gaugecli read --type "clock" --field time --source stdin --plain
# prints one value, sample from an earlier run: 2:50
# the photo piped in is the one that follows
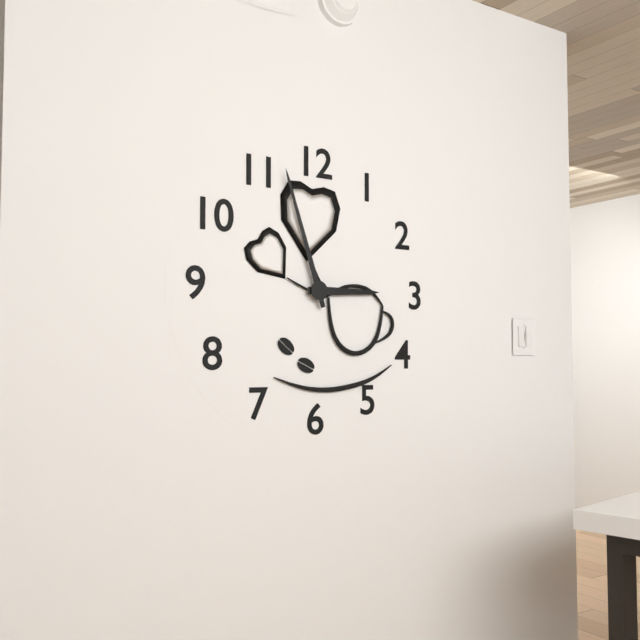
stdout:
2:57
